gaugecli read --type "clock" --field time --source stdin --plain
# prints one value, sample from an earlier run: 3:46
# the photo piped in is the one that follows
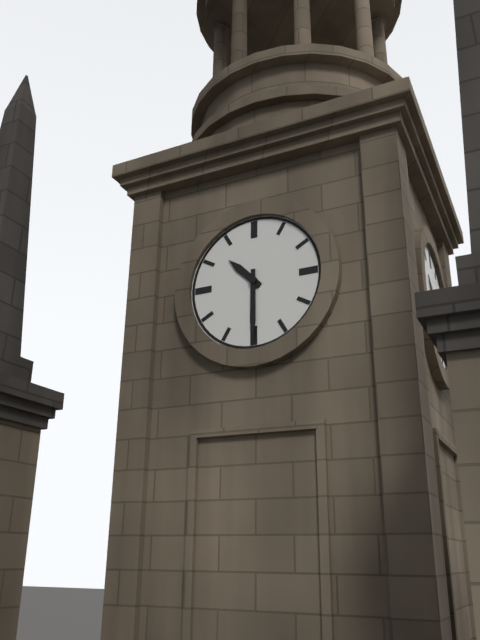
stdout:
10:30
